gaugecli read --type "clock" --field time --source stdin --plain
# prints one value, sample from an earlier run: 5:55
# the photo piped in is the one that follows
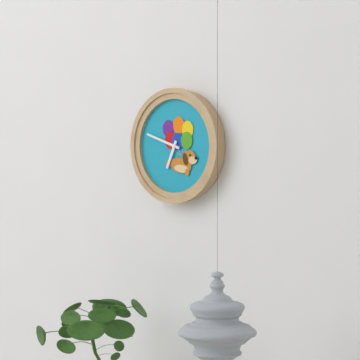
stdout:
6:48
